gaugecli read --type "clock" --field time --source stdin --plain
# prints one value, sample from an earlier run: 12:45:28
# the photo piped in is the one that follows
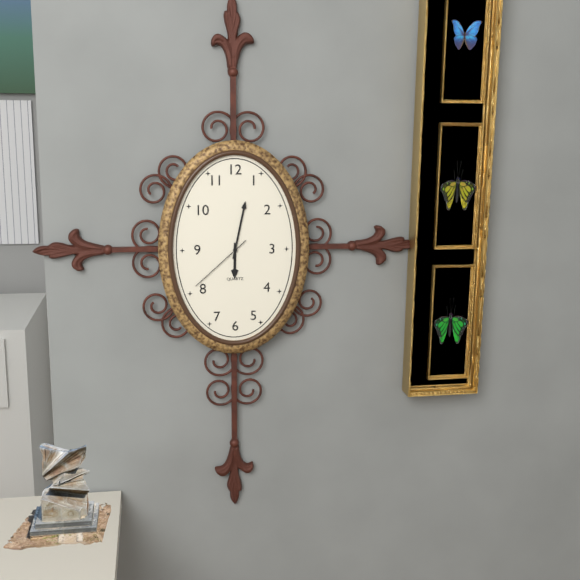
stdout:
6:02:38
